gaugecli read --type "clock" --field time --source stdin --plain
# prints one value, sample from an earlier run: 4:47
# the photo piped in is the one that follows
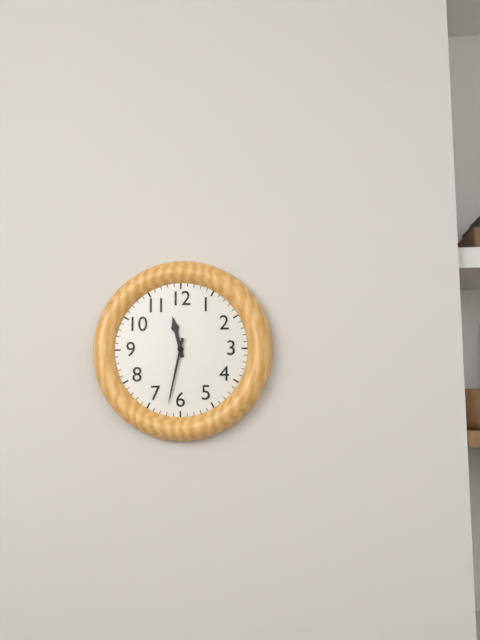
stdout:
11:32
